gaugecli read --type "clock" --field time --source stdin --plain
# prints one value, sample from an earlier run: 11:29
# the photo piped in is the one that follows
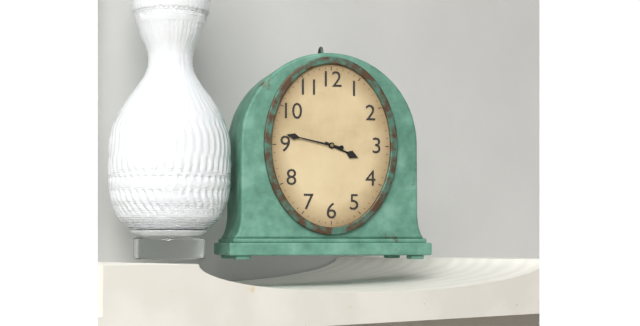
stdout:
3:47
